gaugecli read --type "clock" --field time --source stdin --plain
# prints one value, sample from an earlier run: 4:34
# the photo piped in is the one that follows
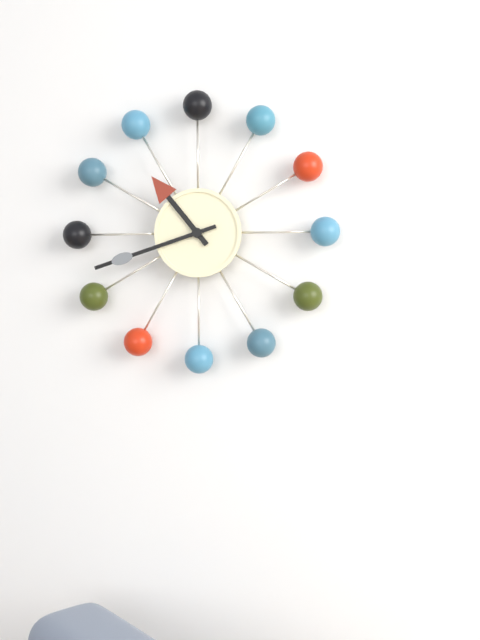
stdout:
10:42
